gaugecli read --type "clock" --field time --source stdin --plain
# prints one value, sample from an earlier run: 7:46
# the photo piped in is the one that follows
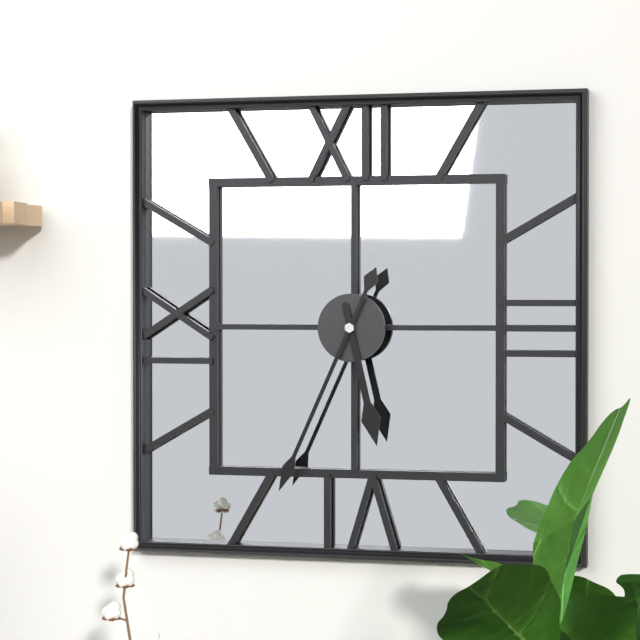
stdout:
5:34
